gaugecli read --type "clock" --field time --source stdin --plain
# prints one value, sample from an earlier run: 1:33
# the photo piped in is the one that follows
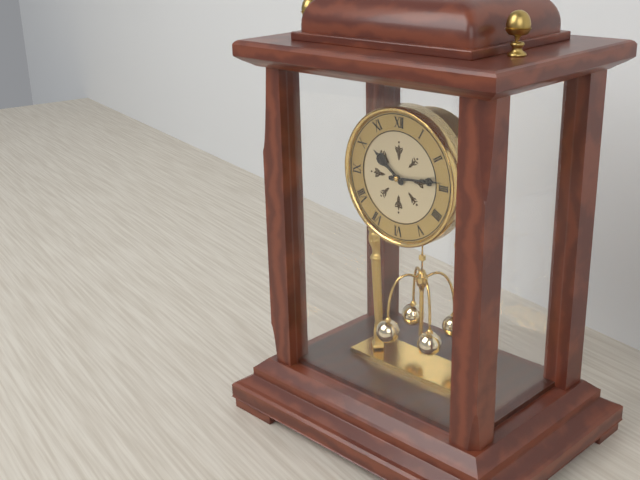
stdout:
10:14
